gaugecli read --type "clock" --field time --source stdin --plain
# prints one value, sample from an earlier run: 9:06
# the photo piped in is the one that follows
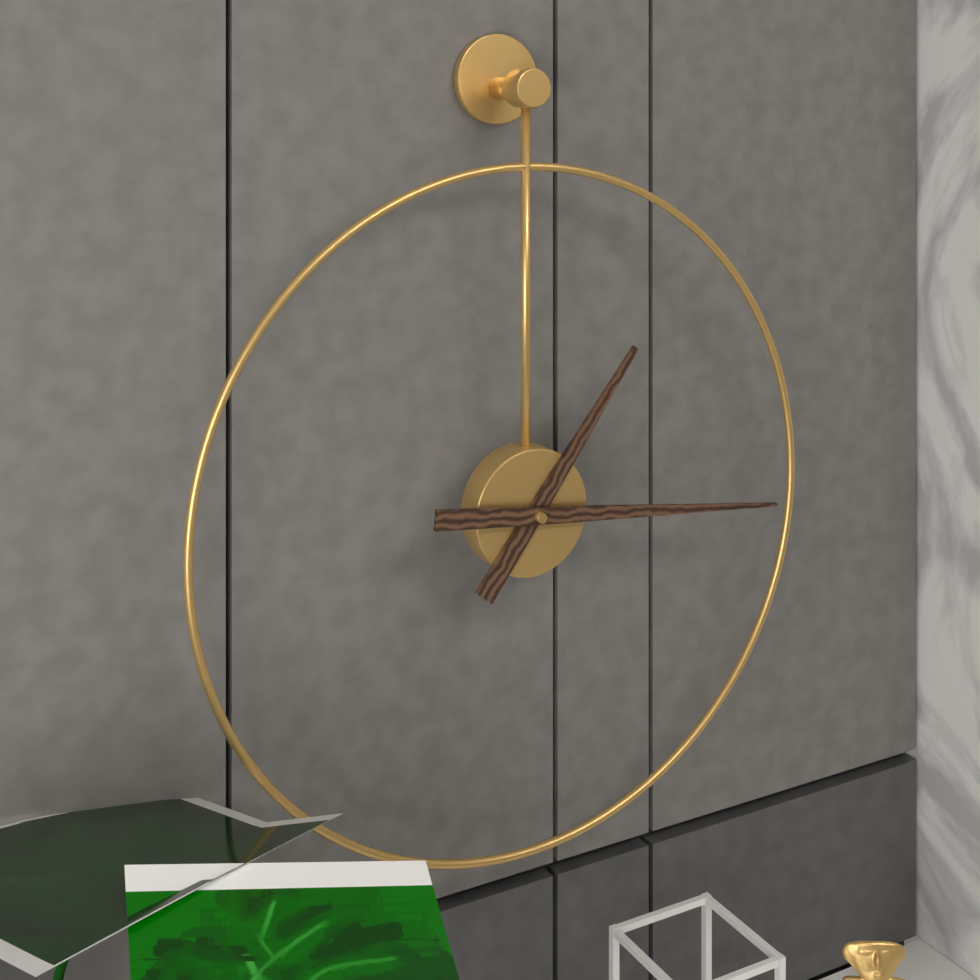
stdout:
1:16
